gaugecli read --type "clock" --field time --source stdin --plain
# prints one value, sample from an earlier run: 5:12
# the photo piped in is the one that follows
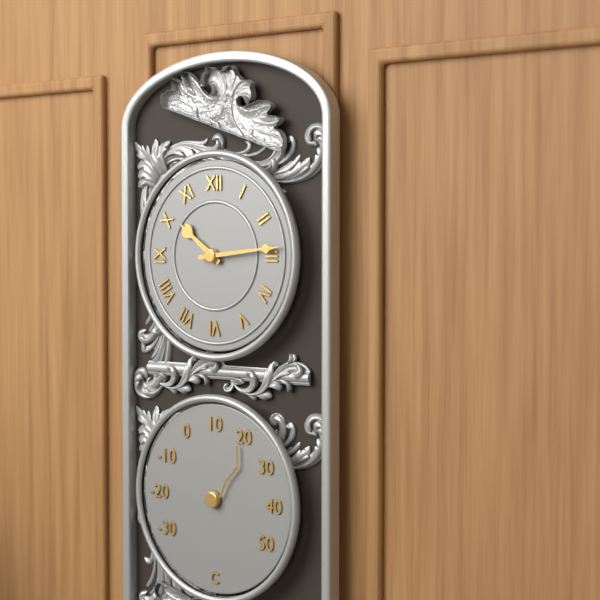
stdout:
10:14
